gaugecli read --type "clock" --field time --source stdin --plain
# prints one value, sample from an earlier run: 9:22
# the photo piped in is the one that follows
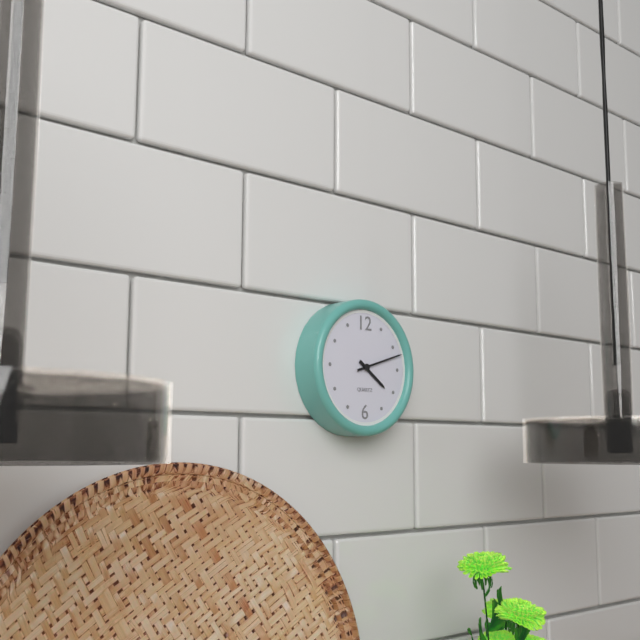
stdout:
4:12
